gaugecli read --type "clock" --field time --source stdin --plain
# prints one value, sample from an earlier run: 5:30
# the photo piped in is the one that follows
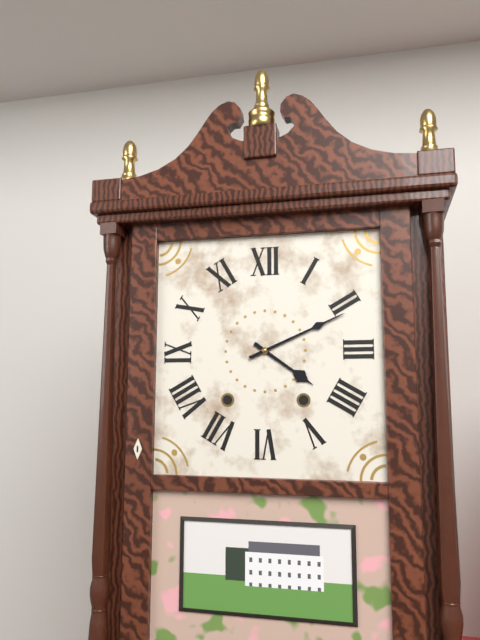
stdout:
4:11
